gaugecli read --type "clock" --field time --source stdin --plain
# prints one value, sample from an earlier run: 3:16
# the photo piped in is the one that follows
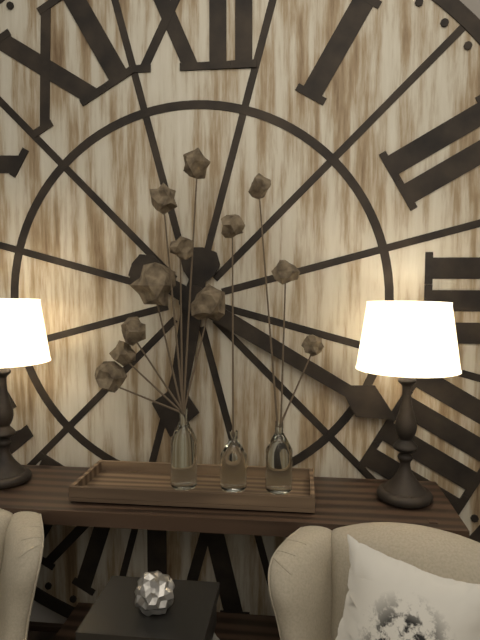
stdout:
6:20
